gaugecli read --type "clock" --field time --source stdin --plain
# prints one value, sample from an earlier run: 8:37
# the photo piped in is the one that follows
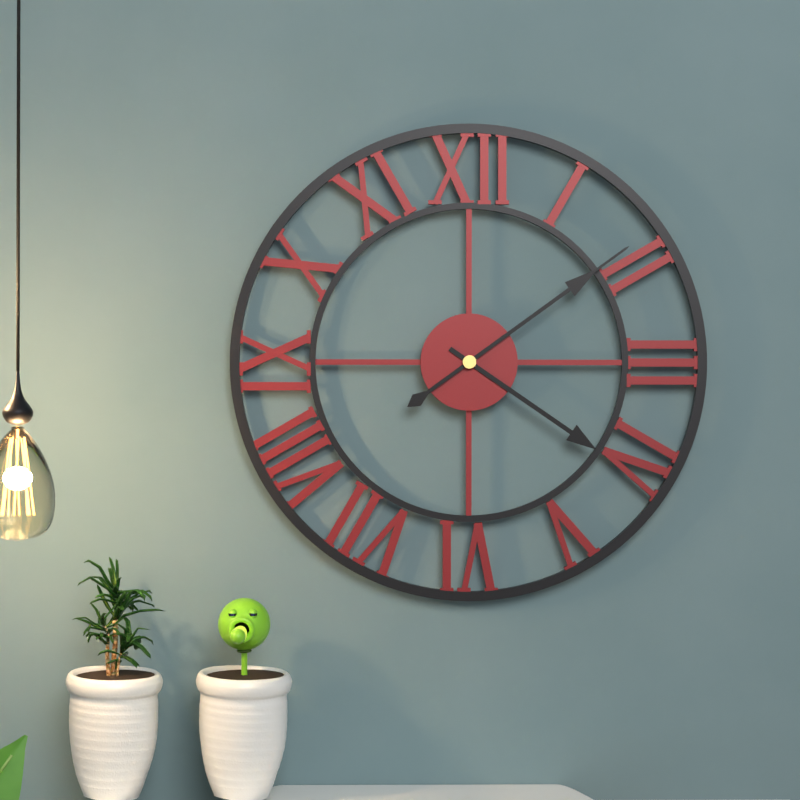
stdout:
4:09
